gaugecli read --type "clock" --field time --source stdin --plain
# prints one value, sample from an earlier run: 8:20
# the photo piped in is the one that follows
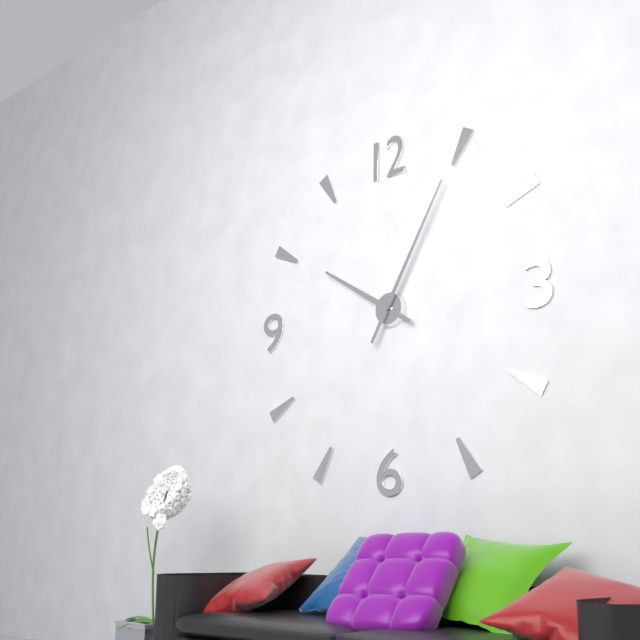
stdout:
10:05
